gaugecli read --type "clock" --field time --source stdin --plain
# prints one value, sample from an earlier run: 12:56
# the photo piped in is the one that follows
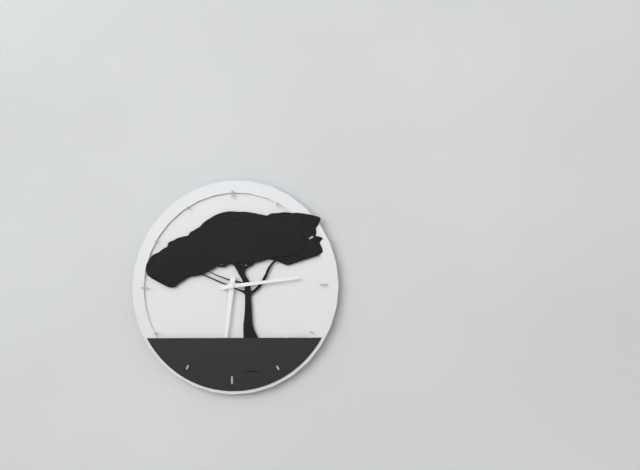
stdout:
6:14
